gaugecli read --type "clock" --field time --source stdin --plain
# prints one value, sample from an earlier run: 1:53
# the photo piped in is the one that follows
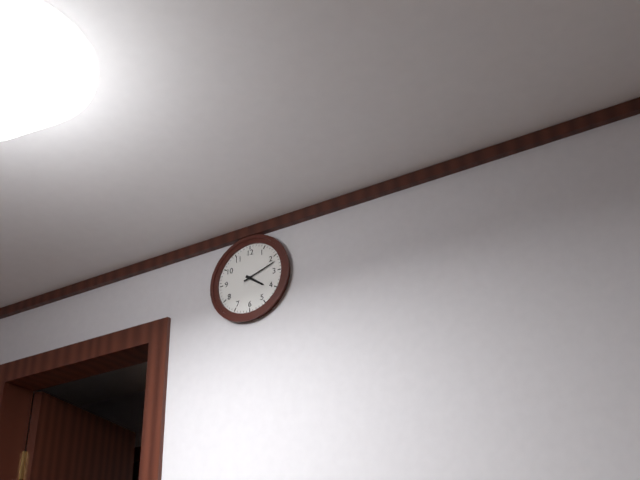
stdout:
4:12
